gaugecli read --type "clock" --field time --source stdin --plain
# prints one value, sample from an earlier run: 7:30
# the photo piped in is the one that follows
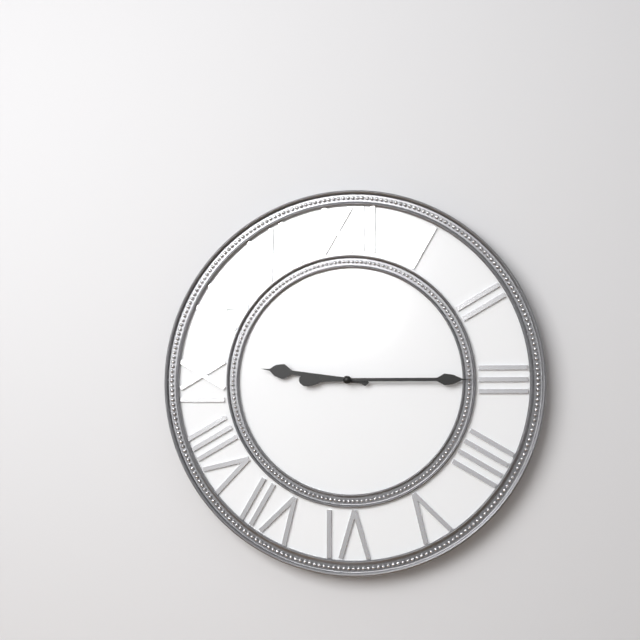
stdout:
9:15
